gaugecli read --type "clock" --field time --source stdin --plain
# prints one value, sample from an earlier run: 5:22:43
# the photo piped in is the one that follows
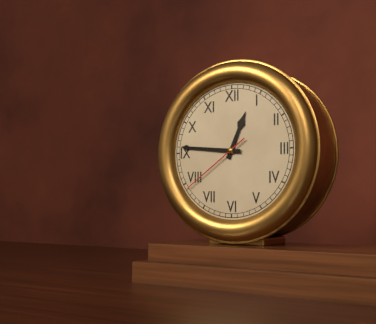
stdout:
12:46:39
